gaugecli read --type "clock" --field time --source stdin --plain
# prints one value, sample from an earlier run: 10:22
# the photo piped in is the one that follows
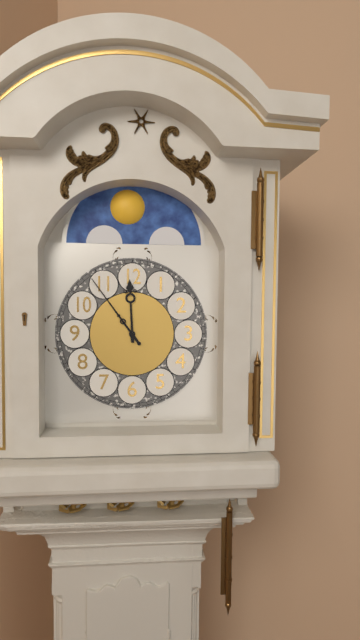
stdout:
11:54
